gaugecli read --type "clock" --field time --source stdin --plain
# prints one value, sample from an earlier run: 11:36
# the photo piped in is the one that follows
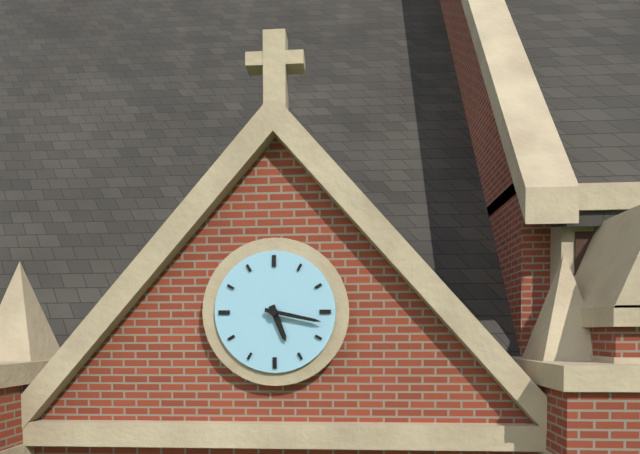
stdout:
5:17
